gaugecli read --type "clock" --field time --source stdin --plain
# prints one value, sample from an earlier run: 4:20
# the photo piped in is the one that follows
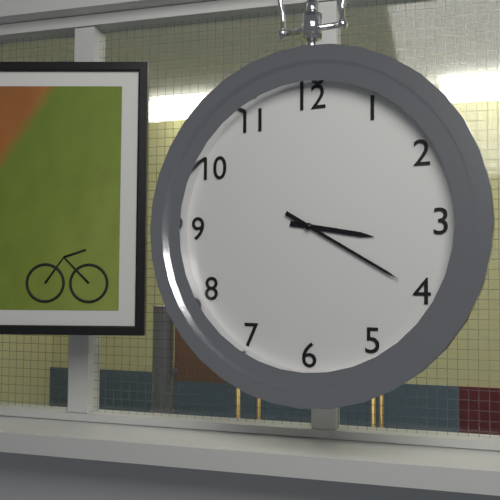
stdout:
3:20
